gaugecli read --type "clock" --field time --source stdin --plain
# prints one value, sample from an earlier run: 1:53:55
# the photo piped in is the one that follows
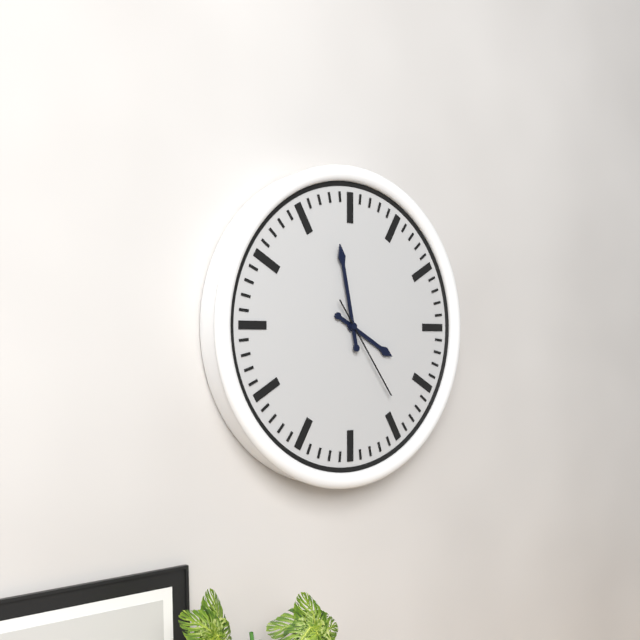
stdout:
3:58:24
